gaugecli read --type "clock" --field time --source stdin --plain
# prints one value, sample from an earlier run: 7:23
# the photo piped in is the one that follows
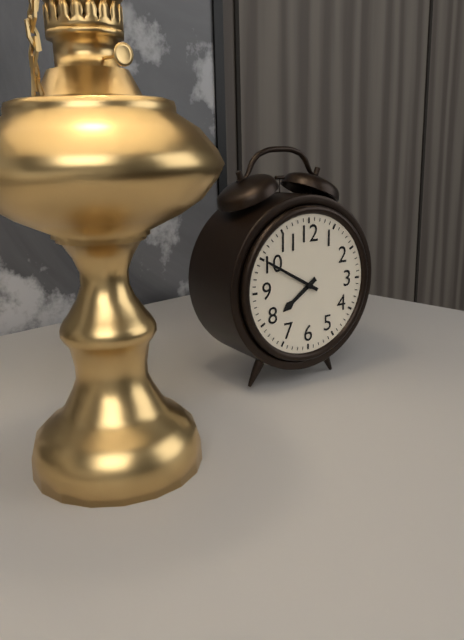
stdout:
7:50
